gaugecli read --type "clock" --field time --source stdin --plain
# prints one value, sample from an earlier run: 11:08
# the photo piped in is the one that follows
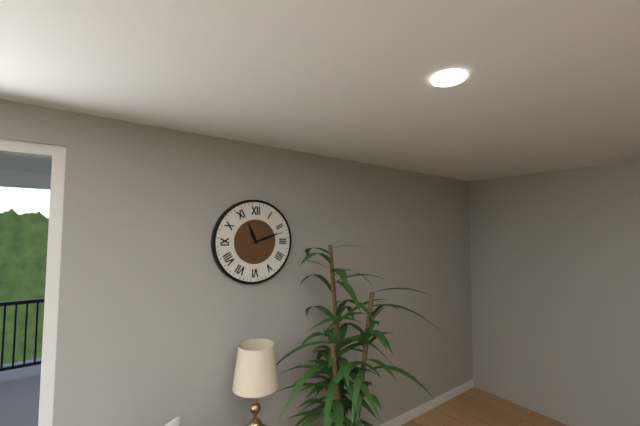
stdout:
11:12
